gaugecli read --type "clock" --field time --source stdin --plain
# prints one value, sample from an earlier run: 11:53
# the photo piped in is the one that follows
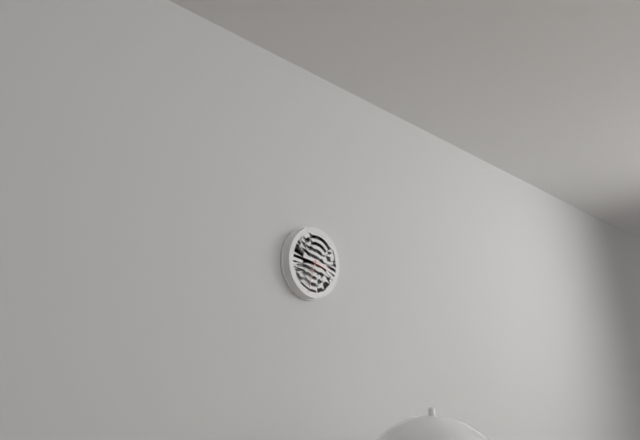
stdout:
3:33
